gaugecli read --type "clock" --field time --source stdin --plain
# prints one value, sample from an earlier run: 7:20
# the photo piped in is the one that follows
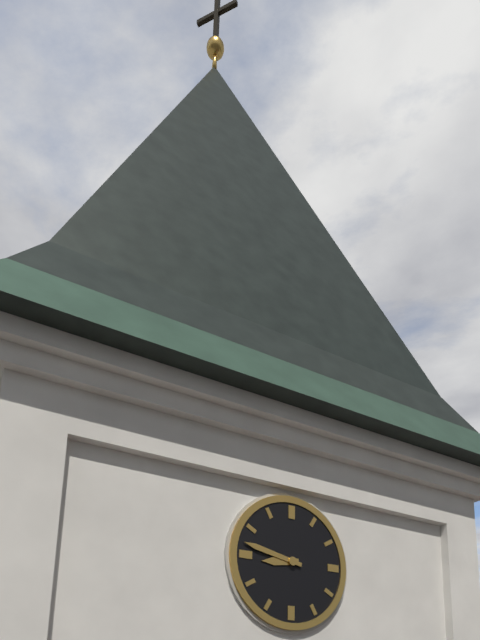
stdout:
8:47
